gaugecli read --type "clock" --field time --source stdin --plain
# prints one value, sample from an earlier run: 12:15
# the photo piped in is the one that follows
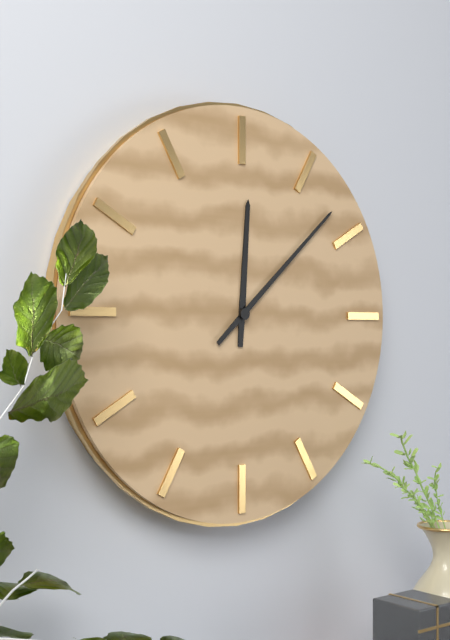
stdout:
12:08
